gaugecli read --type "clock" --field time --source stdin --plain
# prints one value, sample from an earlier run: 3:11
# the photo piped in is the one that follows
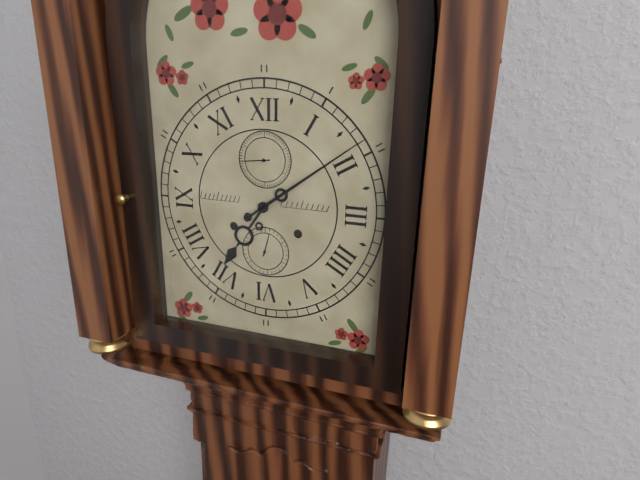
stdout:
7:09
